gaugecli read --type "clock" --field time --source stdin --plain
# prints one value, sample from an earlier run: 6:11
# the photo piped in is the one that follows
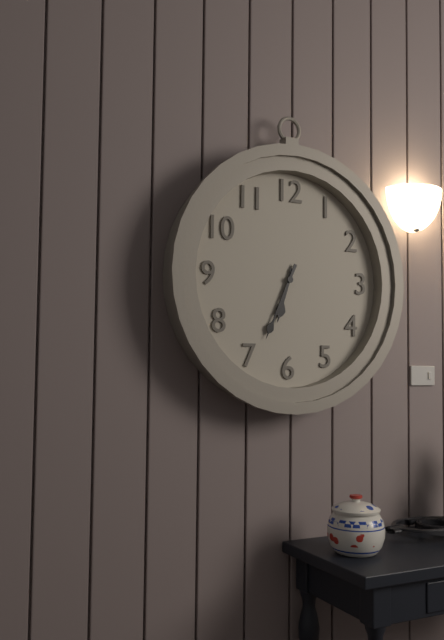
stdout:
6:34
